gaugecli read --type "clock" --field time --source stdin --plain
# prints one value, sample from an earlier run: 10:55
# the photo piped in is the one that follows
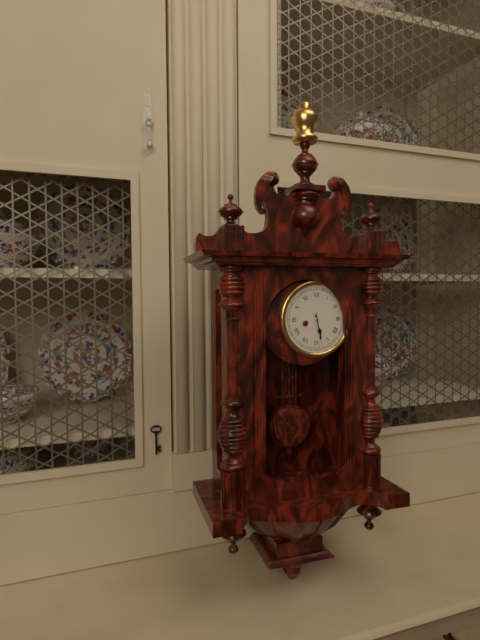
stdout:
5:28
